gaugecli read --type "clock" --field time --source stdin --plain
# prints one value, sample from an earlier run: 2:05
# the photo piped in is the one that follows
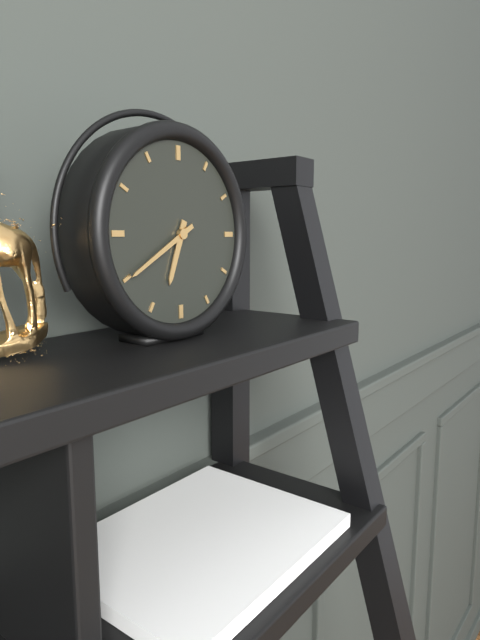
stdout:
6:40
